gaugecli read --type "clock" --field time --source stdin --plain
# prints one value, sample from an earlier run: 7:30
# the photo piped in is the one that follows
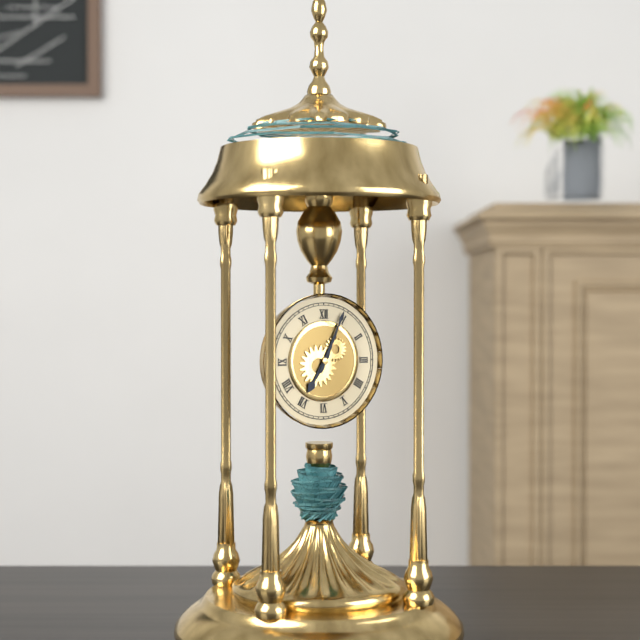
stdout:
7:04
